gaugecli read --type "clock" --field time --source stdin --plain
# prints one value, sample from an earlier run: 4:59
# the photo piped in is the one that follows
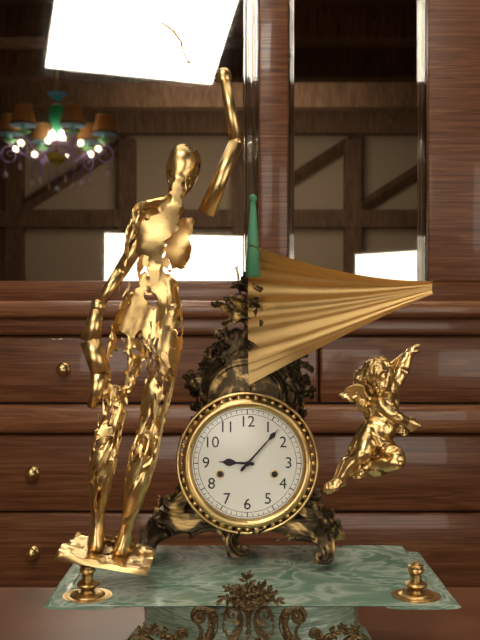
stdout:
9:07
